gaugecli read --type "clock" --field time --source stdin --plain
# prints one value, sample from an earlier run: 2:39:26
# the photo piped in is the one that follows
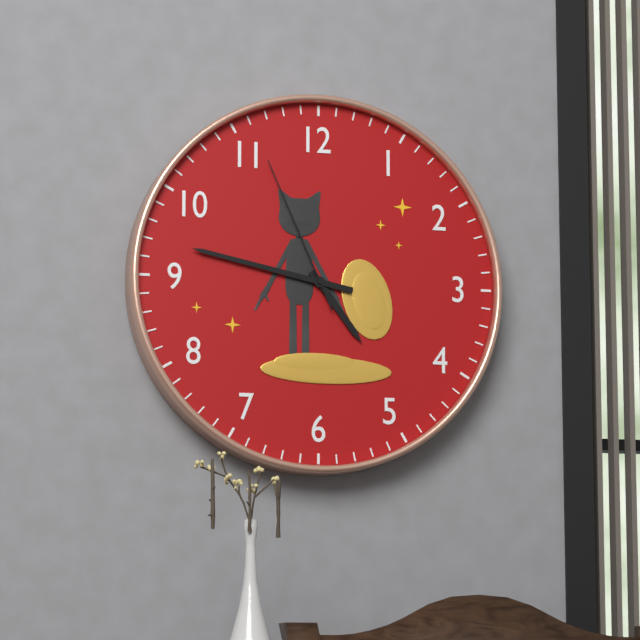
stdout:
4:47:56
